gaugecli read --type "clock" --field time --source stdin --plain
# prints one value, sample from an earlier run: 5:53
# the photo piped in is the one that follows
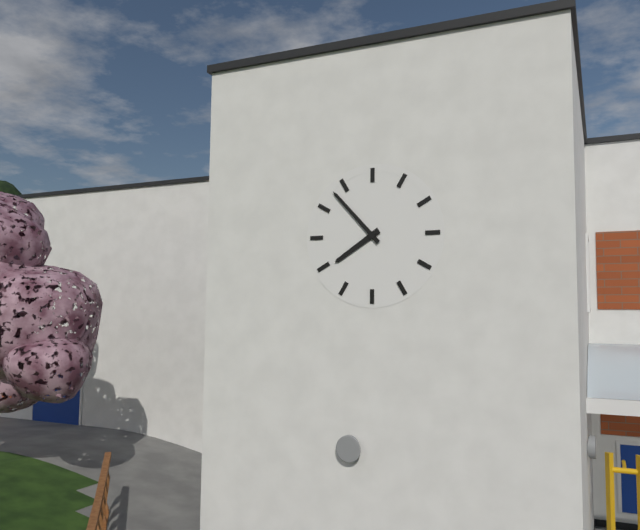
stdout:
7:53
